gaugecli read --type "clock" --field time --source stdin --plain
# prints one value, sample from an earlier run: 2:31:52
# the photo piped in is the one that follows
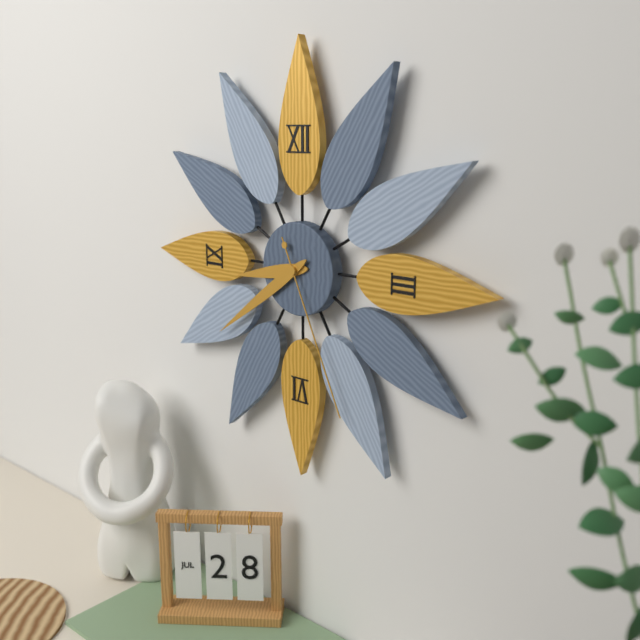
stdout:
8:39:26
